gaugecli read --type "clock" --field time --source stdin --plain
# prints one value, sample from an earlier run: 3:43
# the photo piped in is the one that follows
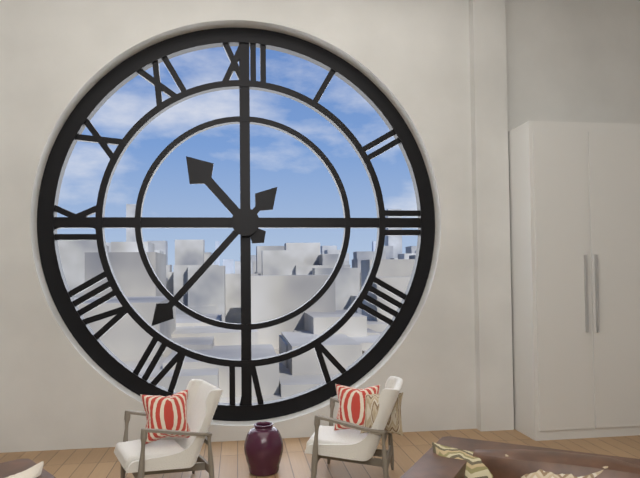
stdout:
10:37
